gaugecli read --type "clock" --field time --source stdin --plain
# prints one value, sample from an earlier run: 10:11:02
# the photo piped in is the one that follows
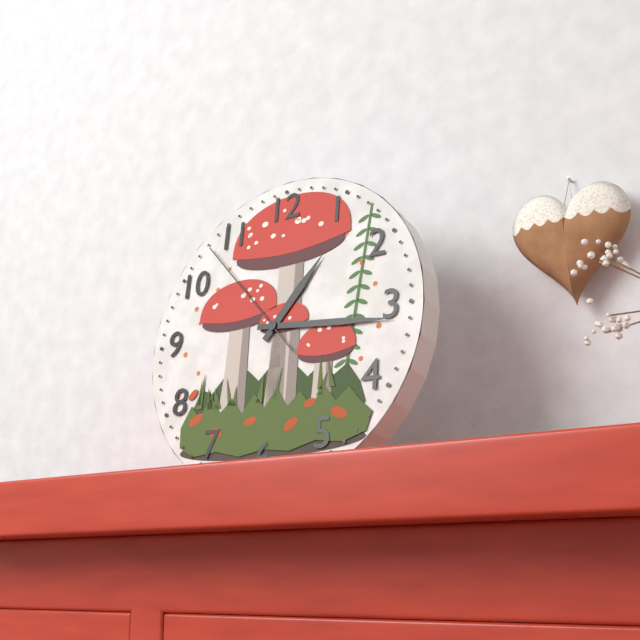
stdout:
1:16:53
